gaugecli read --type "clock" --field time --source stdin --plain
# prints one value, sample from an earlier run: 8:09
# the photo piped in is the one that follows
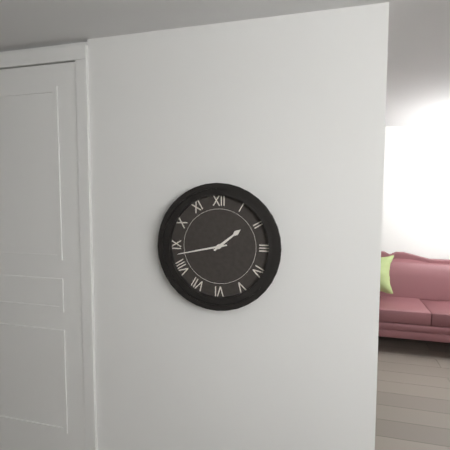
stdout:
1:43
